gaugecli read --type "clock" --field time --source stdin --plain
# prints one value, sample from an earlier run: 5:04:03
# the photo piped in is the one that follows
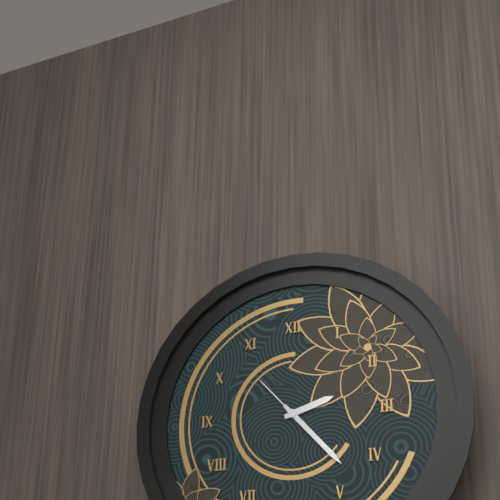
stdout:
2:23:53
